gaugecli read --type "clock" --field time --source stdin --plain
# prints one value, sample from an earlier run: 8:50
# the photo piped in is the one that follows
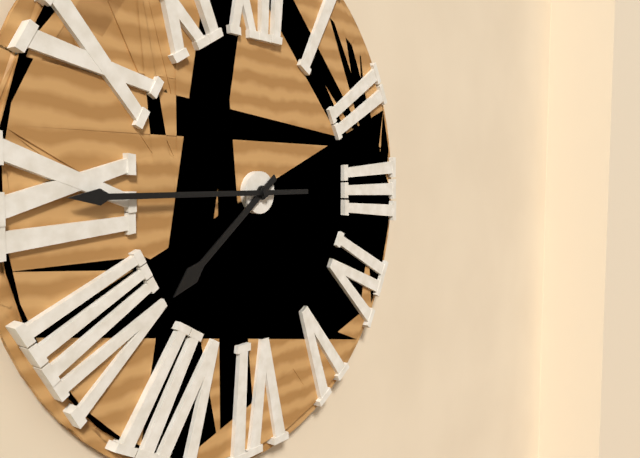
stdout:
7:45
